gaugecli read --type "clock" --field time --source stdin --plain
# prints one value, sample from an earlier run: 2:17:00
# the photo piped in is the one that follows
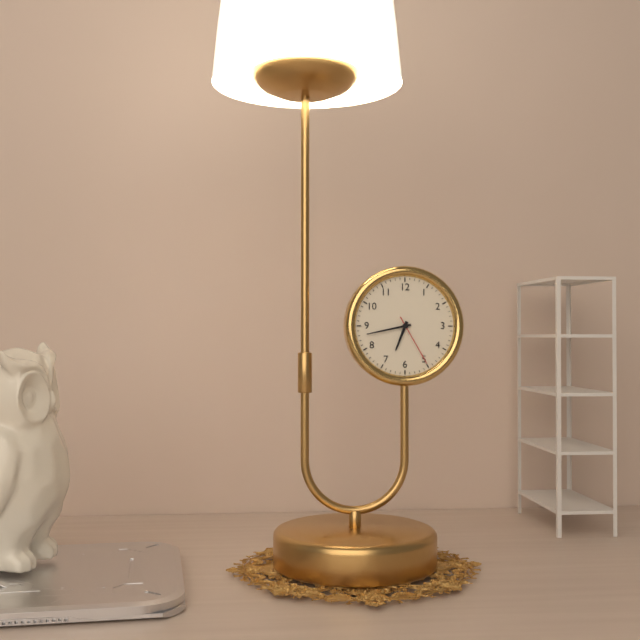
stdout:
6:43:25
